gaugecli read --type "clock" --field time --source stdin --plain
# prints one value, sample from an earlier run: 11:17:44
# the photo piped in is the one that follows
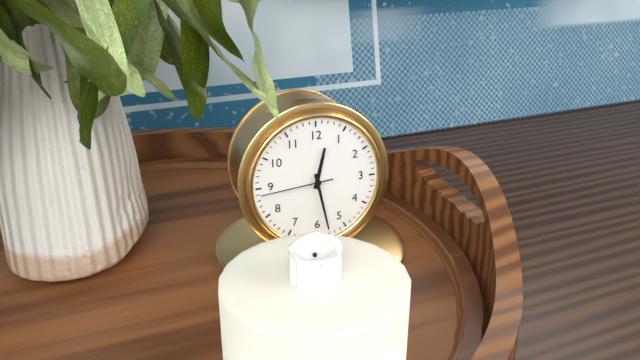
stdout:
12:28:44
